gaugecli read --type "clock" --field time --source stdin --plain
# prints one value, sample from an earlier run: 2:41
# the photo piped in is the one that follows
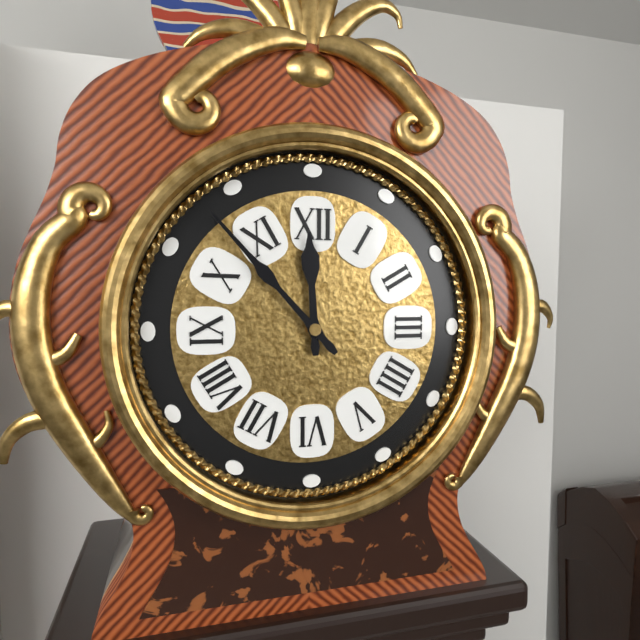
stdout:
11:53
